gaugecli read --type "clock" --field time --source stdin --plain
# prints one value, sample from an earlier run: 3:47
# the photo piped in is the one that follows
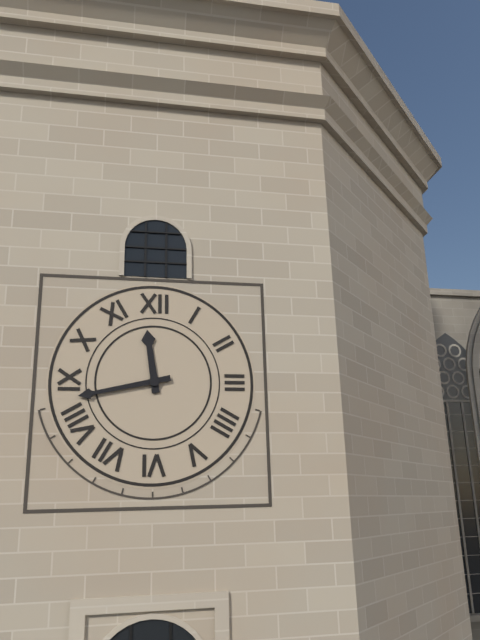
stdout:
11:43
